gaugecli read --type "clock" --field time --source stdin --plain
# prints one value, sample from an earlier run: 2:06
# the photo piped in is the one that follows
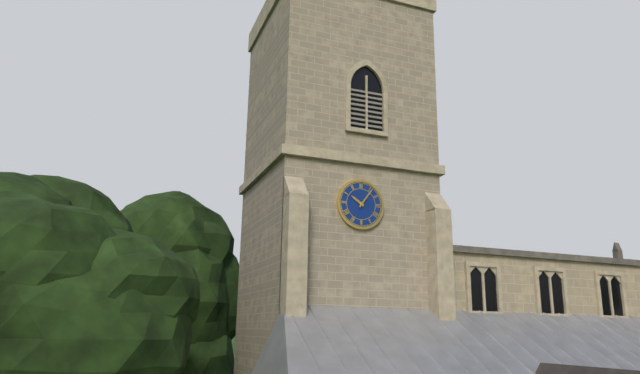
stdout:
10:06
